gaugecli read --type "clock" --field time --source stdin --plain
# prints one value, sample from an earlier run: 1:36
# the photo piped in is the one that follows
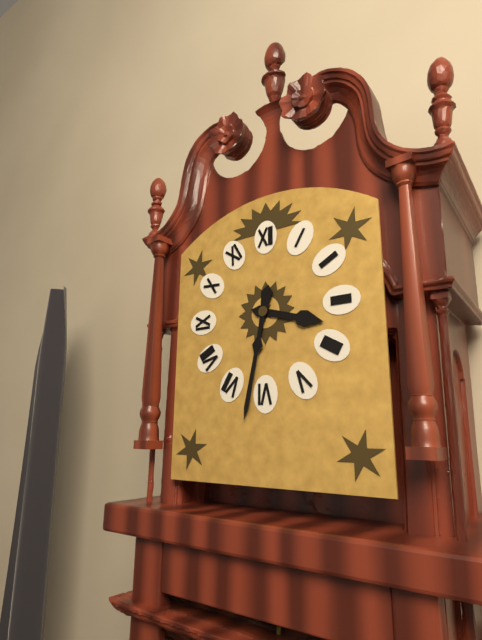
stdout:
3:32
